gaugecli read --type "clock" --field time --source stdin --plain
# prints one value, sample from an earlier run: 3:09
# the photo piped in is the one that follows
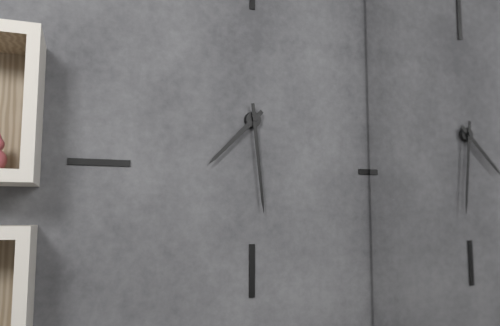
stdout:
7:29
